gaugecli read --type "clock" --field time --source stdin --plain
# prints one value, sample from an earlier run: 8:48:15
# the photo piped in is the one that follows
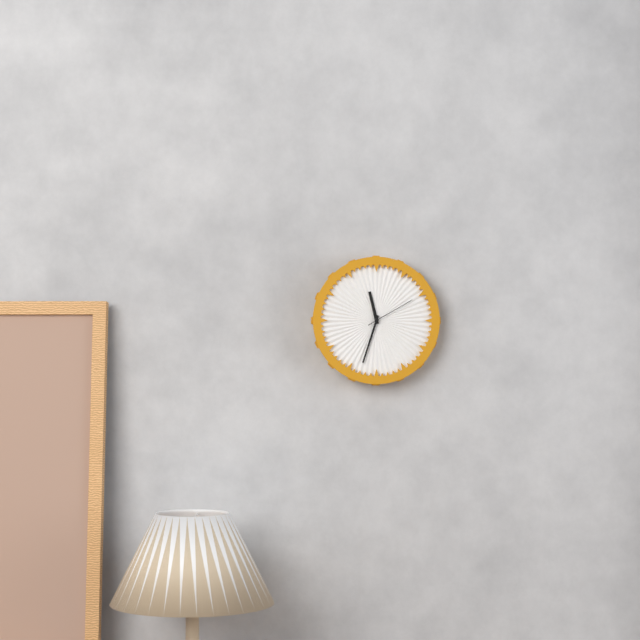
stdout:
11:33:10
